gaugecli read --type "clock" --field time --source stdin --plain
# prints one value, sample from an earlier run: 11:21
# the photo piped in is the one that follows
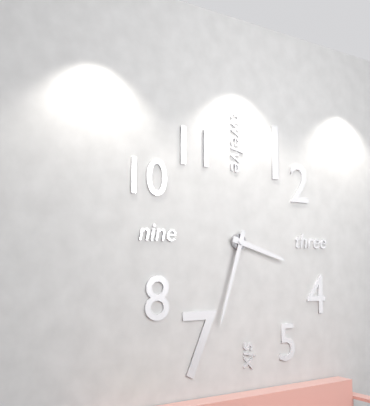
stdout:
3:33
